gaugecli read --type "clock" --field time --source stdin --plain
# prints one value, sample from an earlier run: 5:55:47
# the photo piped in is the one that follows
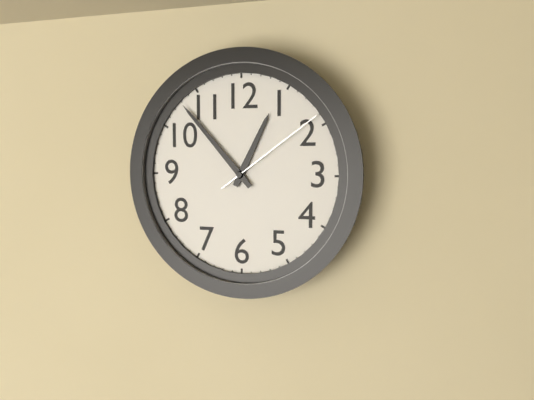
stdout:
12:53:09
